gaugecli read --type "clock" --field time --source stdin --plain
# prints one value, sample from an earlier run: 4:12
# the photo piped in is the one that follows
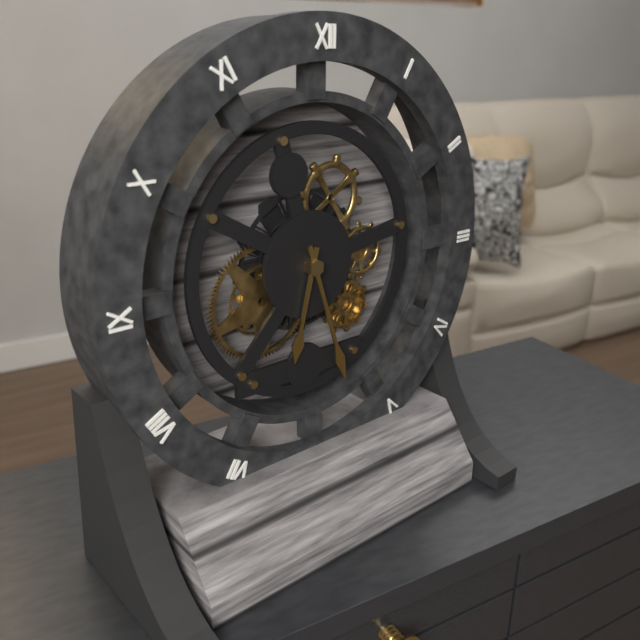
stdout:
6:27
